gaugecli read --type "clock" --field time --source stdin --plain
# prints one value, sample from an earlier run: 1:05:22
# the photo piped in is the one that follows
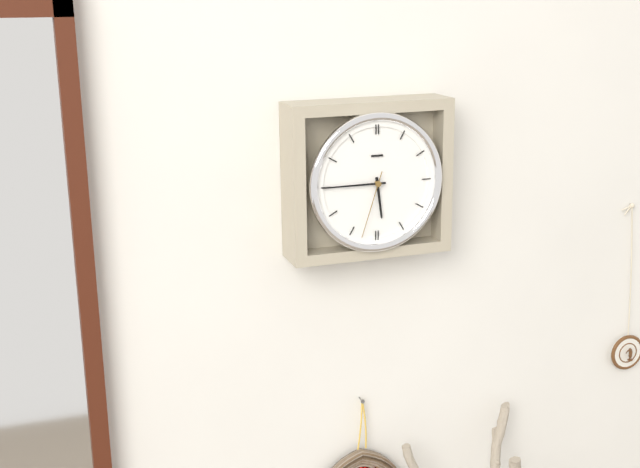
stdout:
5:45:33
